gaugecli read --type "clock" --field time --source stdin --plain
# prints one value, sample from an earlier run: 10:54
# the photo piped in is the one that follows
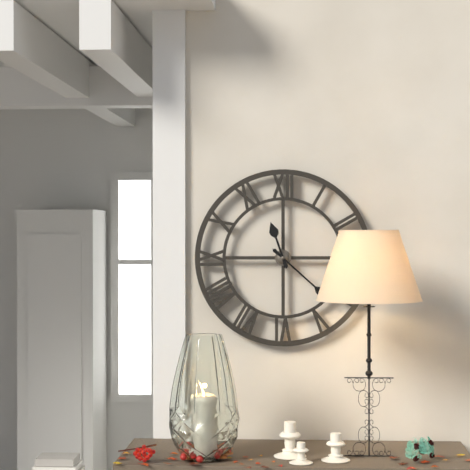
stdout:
11:22
